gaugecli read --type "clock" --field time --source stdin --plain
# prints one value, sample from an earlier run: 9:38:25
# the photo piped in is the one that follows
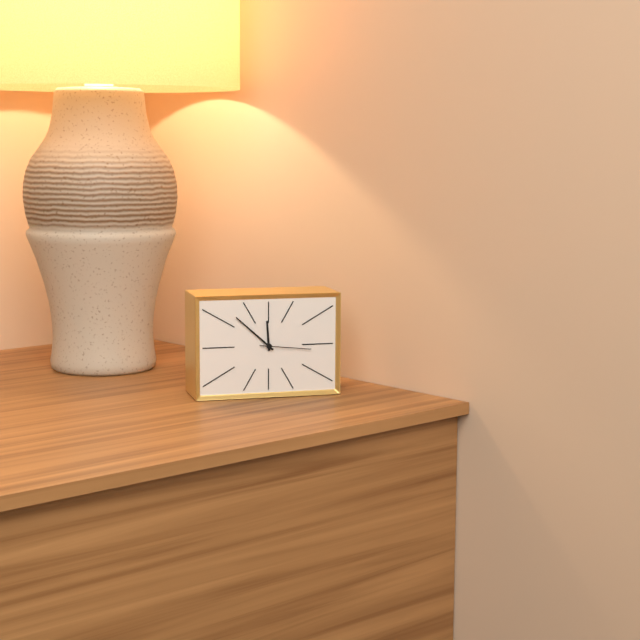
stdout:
11:52:16
